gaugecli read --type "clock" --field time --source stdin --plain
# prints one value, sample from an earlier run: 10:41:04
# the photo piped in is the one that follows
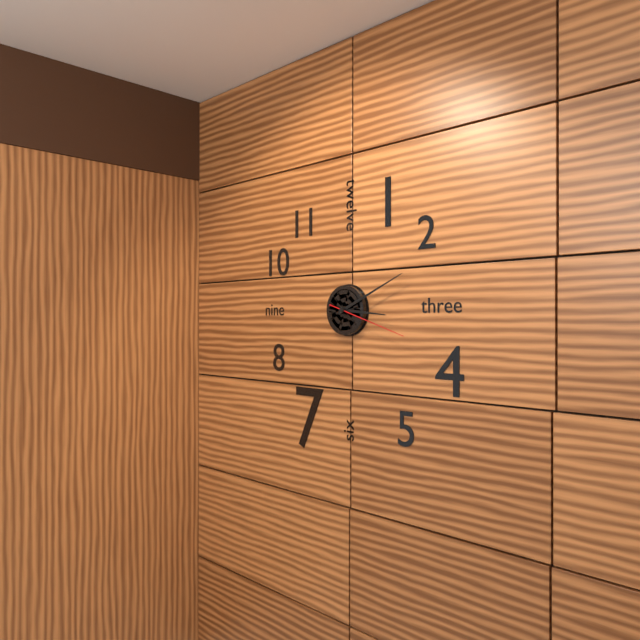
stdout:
3:11:18
